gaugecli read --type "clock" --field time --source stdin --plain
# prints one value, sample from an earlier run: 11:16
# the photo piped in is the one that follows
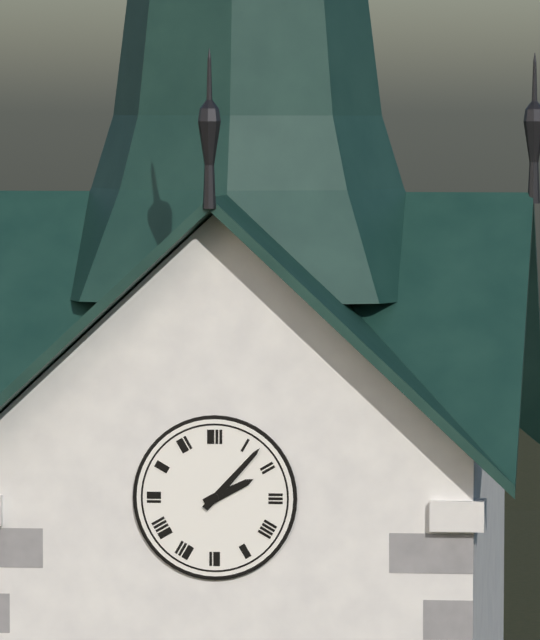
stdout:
2:07
